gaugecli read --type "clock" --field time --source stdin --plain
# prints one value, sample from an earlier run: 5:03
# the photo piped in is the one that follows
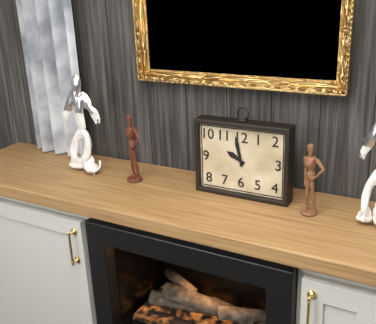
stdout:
9:58
